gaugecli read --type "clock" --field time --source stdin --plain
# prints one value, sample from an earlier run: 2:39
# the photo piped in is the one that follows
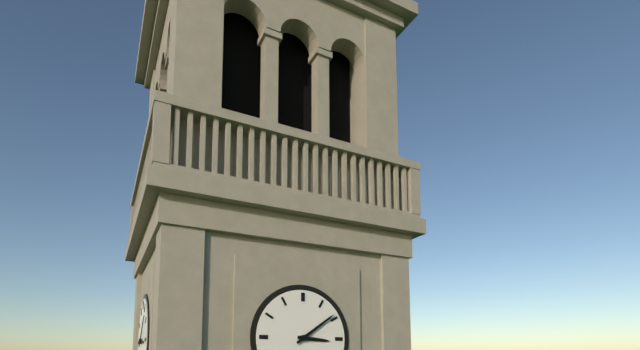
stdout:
3:09
